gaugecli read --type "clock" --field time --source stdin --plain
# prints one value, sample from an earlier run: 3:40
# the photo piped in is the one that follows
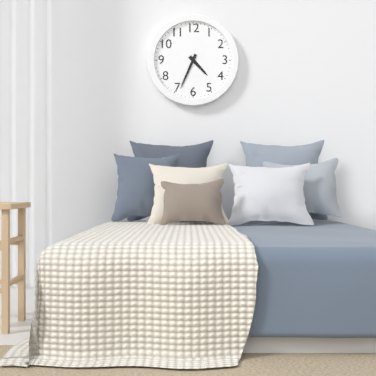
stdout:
4:34
